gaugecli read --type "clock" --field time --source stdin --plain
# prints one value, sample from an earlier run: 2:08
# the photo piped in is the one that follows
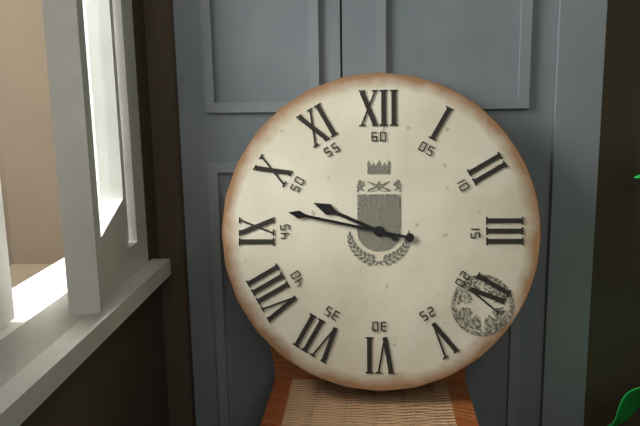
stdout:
9:47
